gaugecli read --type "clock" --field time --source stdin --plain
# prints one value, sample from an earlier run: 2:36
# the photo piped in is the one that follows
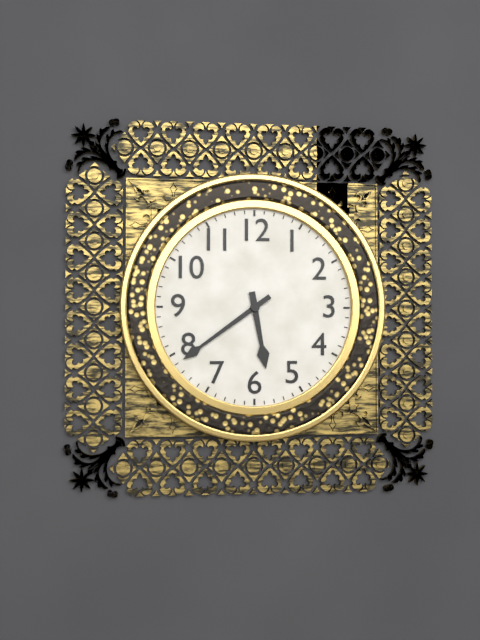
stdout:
5:39
